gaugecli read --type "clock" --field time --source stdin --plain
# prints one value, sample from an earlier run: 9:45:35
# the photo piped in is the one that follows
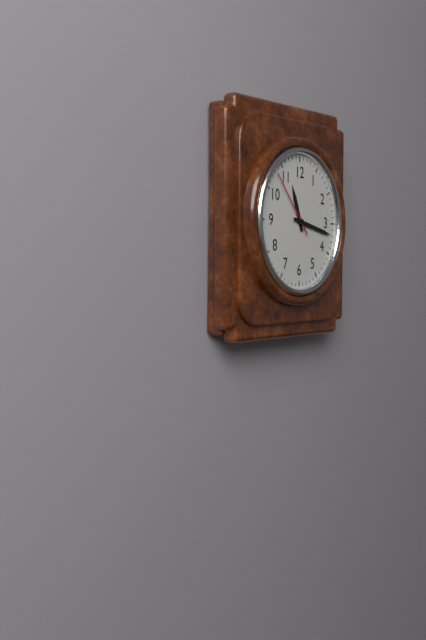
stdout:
11:17:53
